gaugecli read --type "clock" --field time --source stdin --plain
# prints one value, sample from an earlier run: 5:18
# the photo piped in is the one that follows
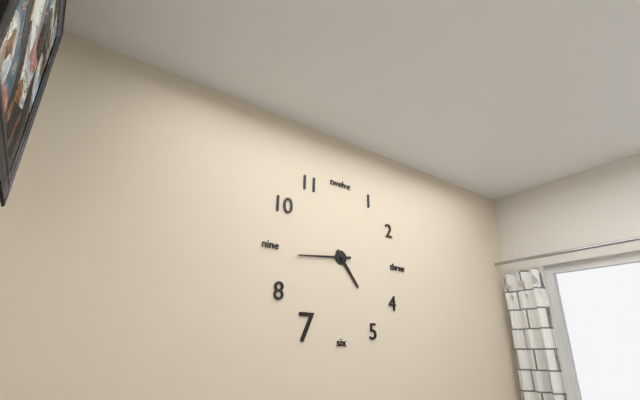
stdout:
4:44
